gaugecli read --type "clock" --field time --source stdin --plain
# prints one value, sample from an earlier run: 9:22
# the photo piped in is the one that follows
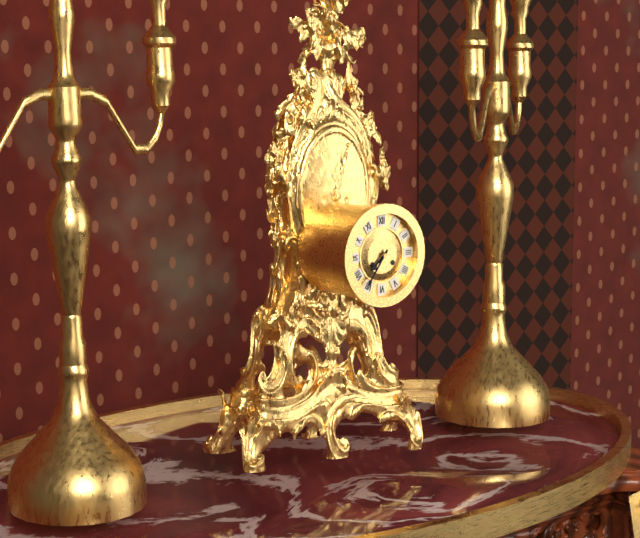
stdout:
7:36
